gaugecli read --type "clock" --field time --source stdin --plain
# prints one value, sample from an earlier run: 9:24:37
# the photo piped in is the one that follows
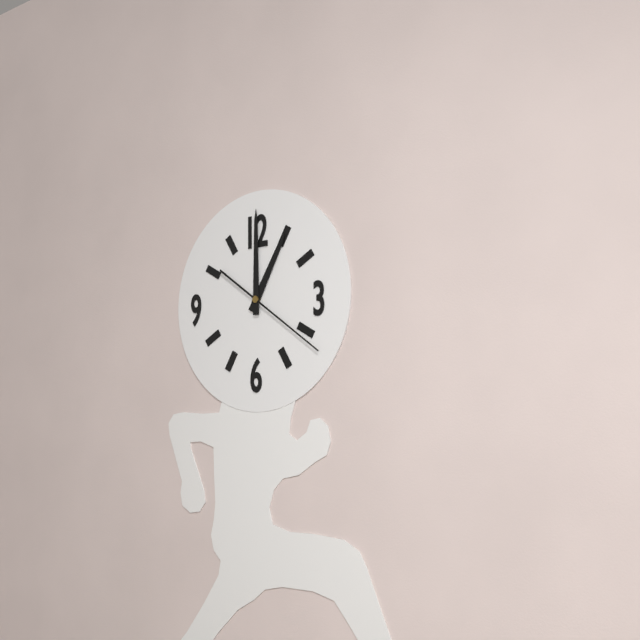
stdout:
1:00:21
